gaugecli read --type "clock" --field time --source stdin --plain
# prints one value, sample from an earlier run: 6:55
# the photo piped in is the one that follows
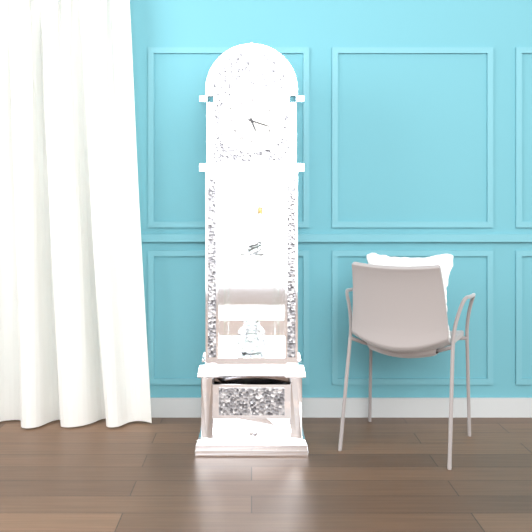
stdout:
5:18
